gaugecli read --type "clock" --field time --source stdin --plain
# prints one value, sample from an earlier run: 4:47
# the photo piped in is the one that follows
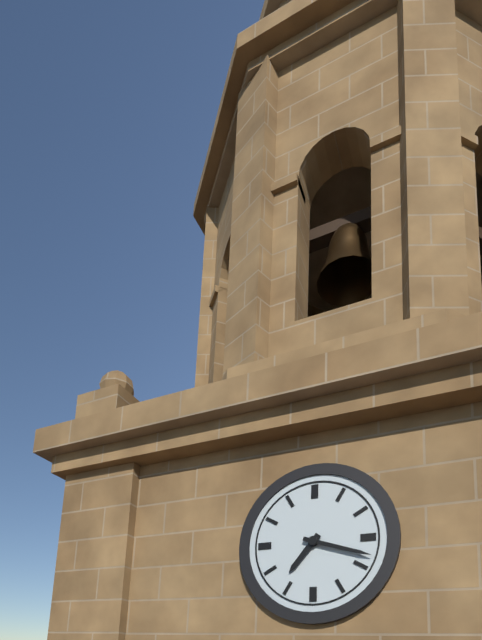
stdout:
7:18
